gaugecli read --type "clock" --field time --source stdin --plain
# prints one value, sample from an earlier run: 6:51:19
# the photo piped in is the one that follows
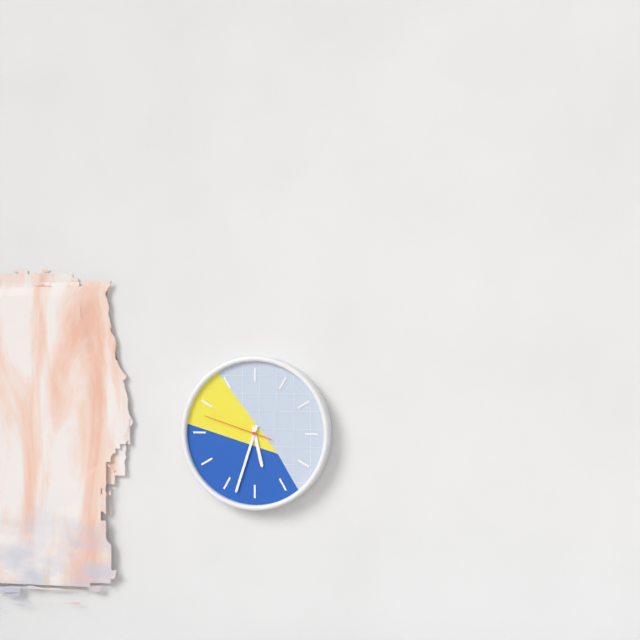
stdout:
5:33:48
